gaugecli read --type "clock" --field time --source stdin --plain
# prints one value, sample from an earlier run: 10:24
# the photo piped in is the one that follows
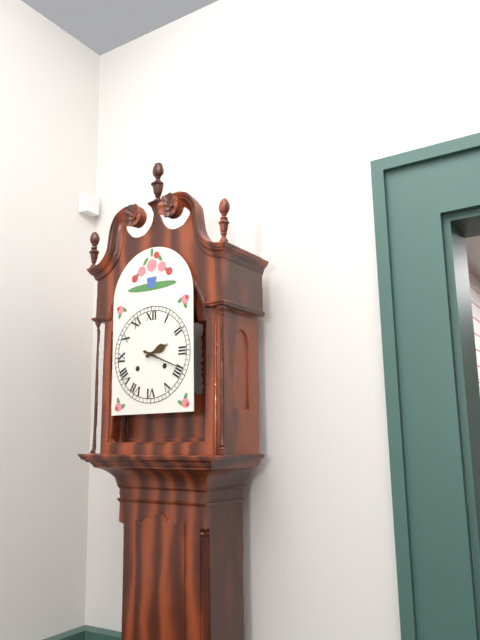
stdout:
2:19
